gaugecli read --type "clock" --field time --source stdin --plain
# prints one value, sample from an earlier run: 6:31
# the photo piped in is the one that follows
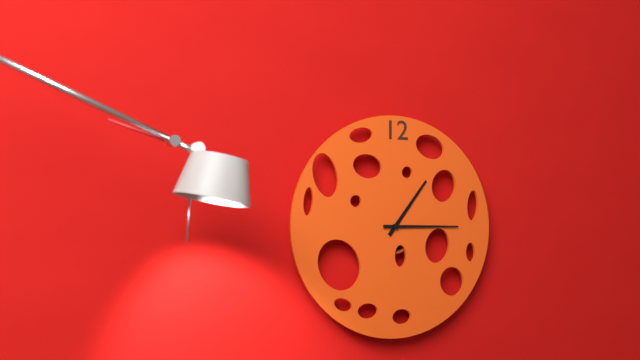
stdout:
1:15
